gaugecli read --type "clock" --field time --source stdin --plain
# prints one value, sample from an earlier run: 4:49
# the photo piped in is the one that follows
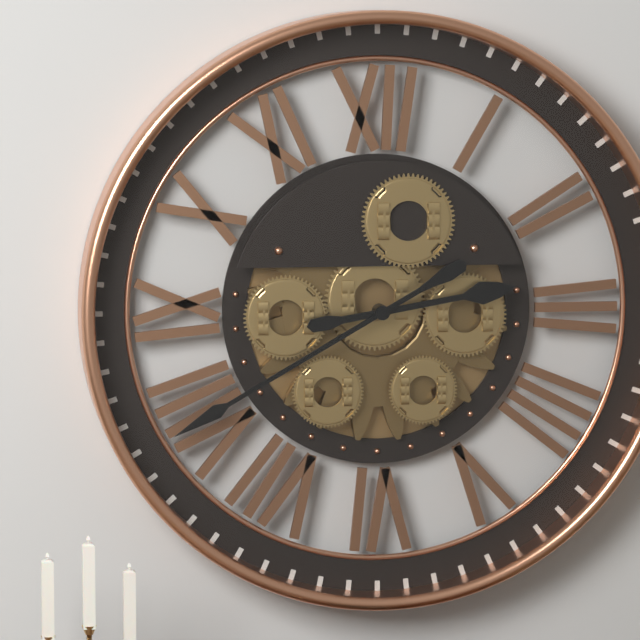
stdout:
2:40
